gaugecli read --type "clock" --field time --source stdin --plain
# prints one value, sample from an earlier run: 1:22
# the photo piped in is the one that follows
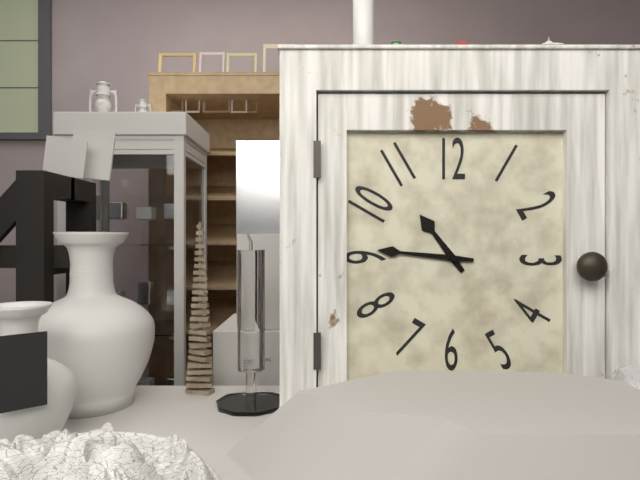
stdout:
10:46
